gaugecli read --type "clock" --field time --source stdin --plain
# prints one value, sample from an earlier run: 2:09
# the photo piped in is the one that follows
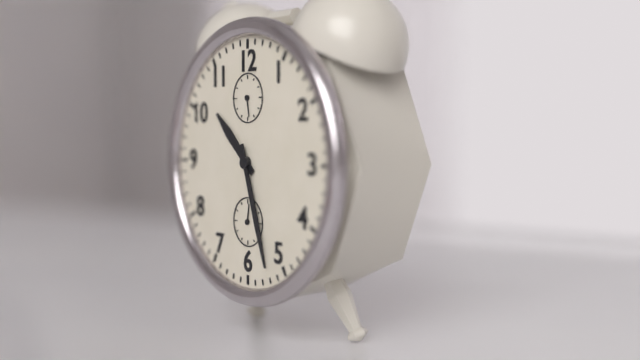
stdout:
10:27
